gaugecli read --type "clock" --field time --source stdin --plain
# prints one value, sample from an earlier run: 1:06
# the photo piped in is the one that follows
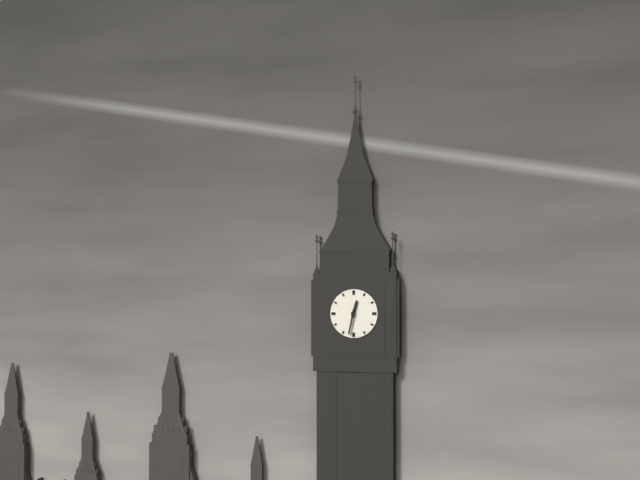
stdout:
12:32
